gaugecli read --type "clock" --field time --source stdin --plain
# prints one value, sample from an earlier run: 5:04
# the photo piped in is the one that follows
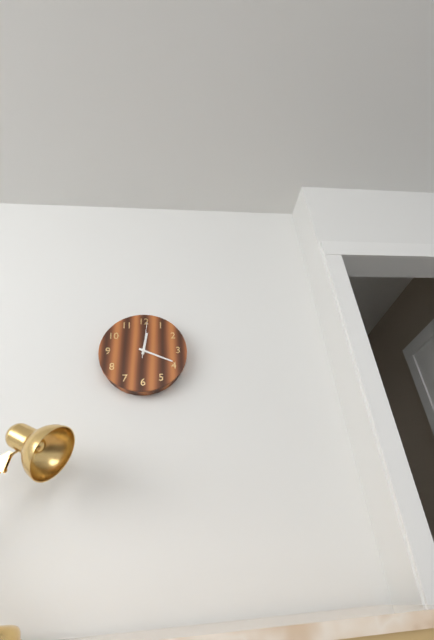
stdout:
12:19
